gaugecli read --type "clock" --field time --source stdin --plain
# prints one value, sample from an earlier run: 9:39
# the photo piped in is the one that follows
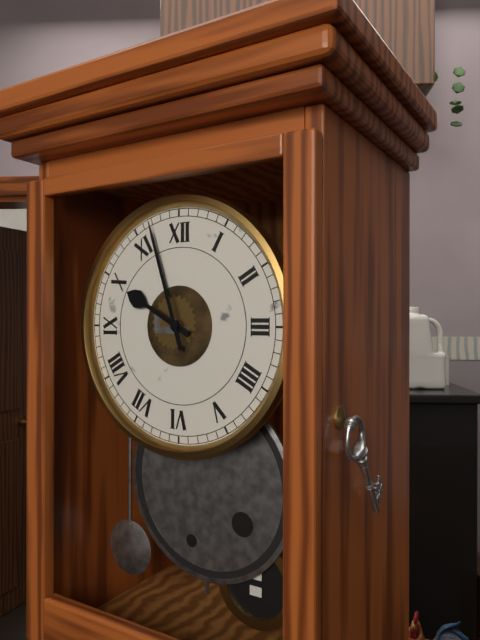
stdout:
9:57
